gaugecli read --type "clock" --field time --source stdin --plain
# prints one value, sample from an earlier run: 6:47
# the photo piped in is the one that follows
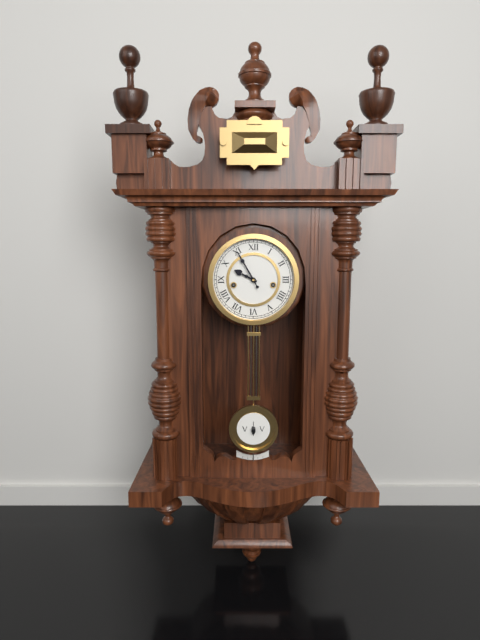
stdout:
9:55
